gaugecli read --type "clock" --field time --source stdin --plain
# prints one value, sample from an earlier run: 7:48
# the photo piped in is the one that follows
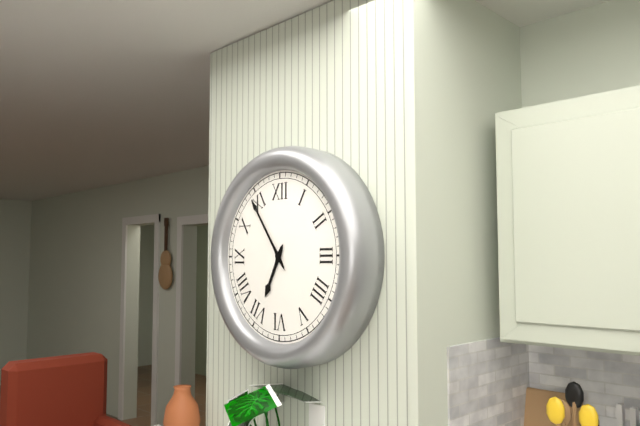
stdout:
6:54
